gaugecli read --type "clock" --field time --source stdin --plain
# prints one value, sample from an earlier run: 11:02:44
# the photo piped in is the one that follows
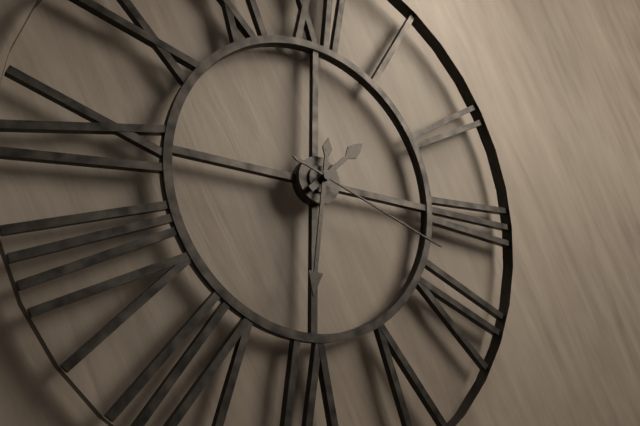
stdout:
1:31:18
